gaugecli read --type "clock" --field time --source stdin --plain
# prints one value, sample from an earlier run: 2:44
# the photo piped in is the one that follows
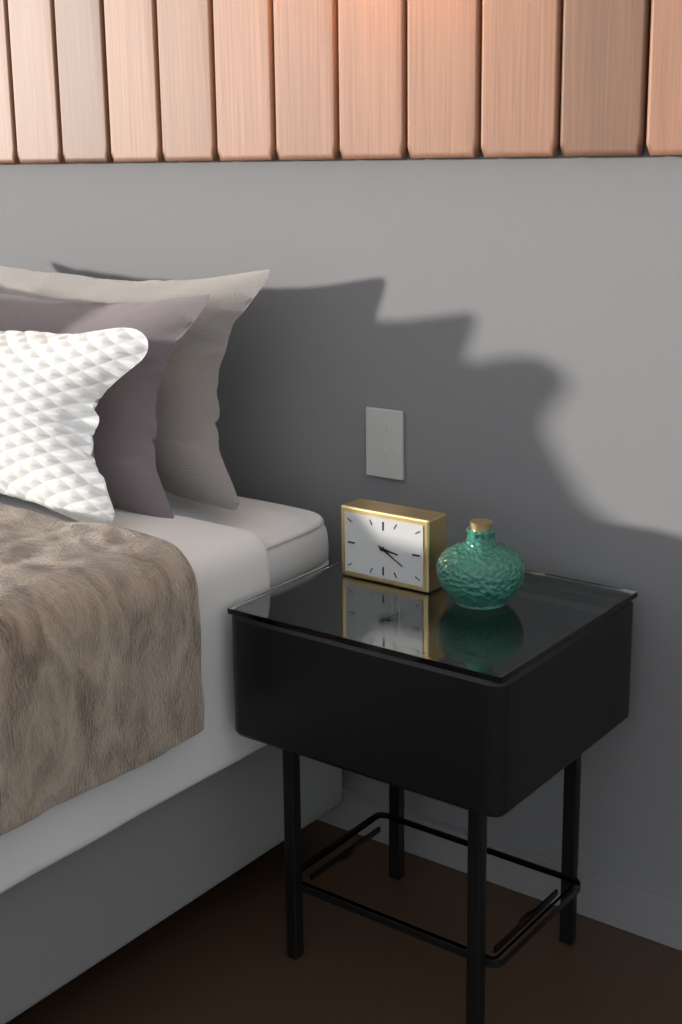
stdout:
3:20
